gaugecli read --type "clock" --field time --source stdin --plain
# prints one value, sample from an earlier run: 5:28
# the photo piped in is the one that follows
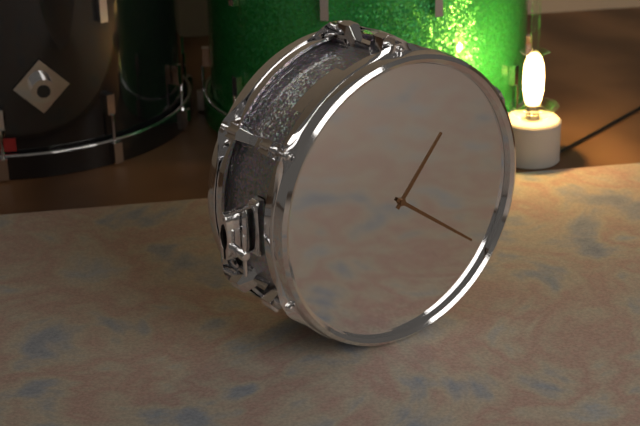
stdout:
1:21
